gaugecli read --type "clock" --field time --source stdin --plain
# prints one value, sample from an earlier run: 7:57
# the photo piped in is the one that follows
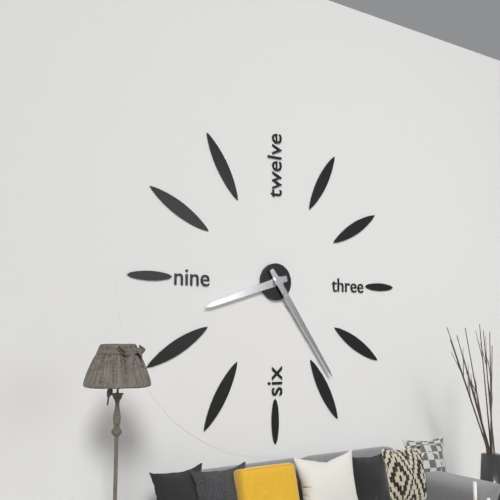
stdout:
8:24
